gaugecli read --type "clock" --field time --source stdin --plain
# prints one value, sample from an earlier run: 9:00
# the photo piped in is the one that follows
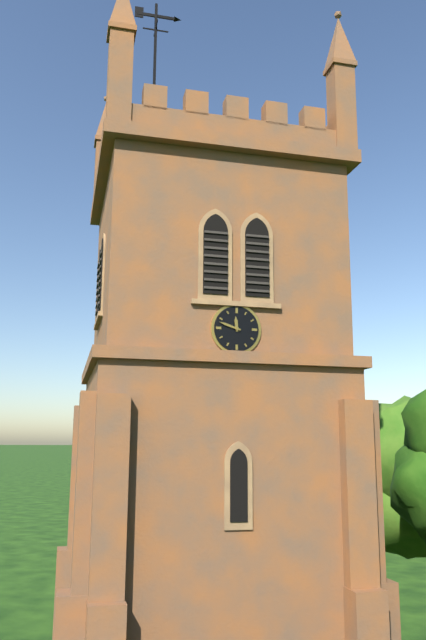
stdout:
11:48
